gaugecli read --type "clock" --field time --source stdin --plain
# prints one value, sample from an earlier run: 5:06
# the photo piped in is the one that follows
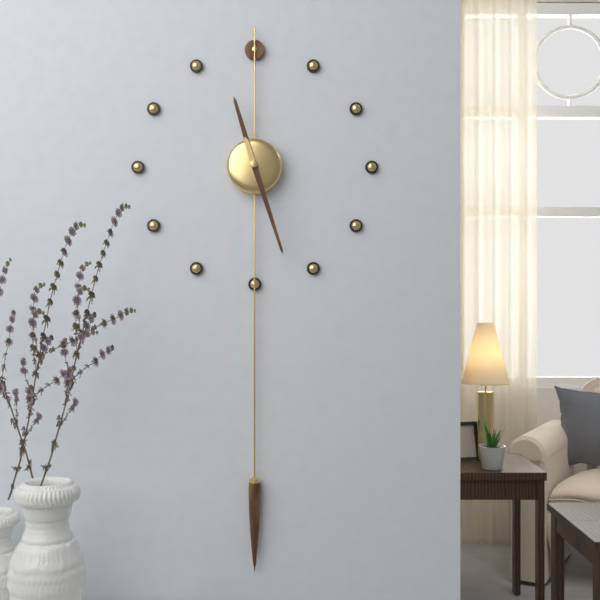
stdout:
11:27
